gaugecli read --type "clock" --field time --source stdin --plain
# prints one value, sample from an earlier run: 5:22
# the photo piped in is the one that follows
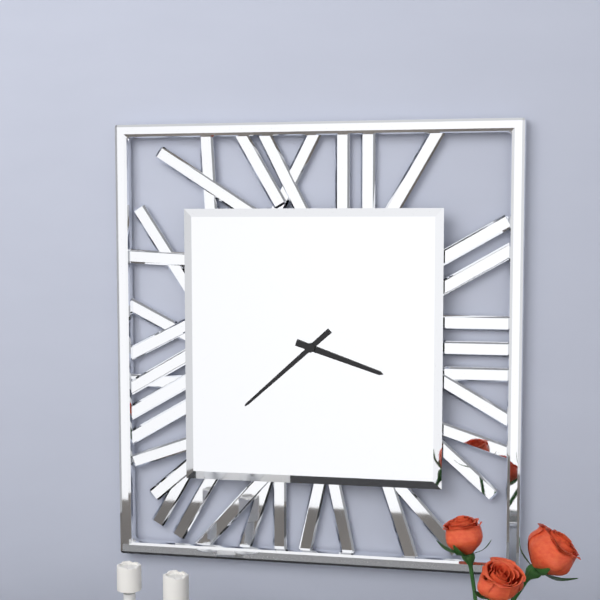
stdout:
3:38
